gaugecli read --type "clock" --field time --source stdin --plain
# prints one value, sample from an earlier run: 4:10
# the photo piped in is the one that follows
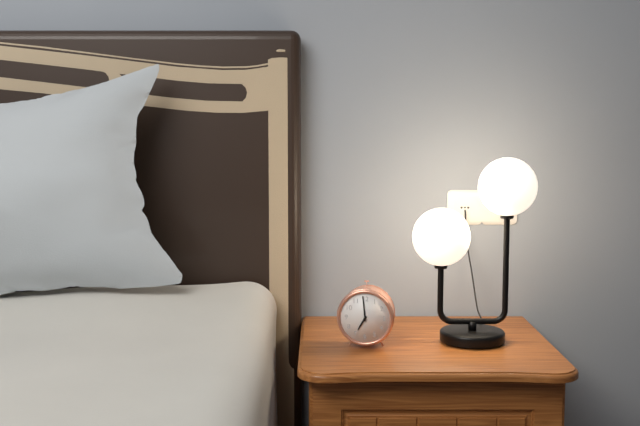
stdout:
6:59
